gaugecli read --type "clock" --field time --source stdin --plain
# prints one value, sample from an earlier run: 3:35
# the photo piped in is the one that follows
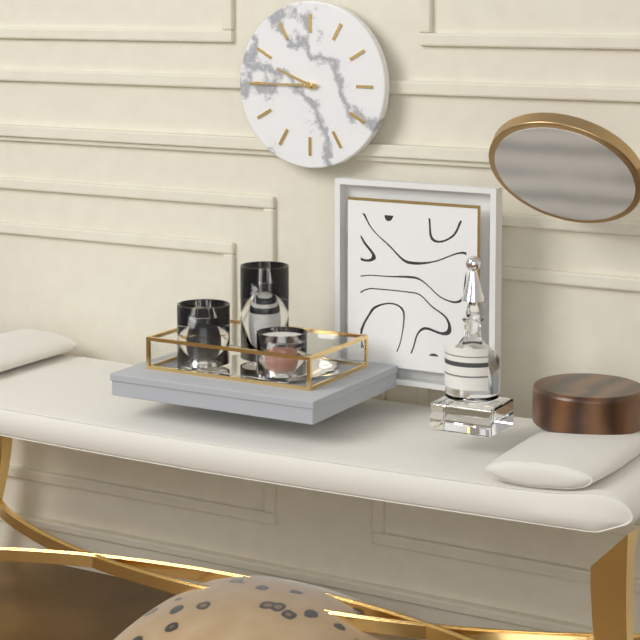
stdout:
9:45
